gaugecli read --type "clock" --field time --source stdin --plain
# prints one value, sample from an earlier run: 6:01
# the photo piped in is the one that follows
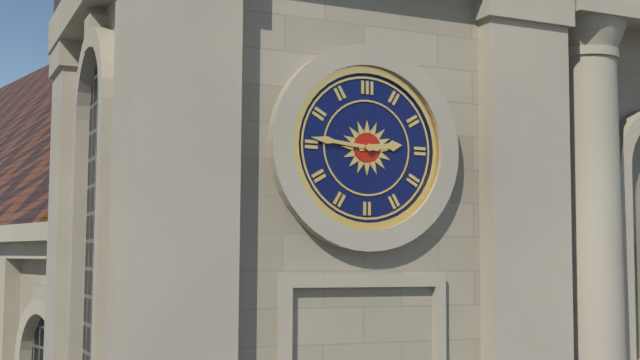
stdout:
2:46
